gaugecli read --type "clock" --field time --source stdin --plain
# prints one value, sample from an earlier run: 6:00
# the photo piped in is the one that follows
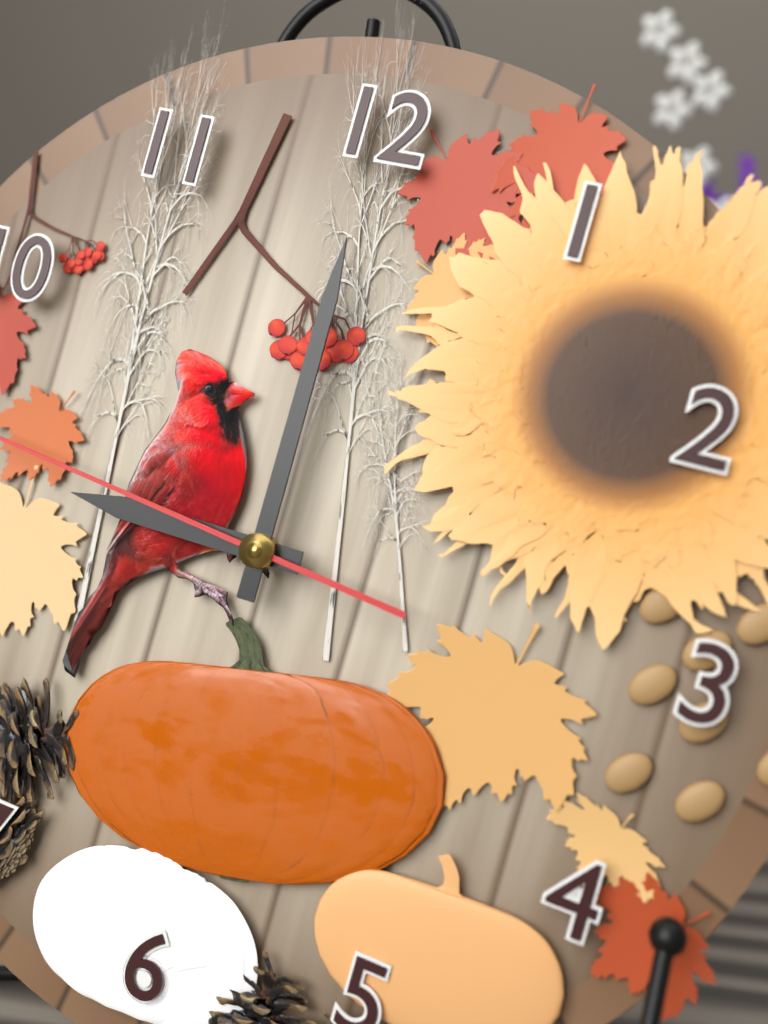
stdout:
9:00
